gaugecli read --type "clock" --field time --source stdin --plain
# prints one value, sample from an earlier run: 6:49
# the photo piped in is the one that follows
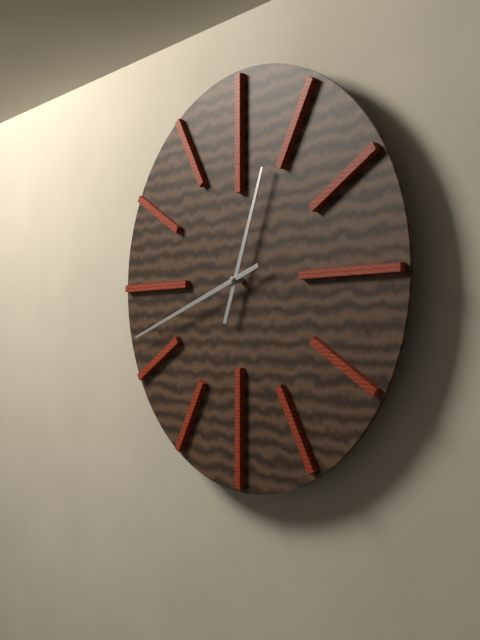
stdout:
12:42
